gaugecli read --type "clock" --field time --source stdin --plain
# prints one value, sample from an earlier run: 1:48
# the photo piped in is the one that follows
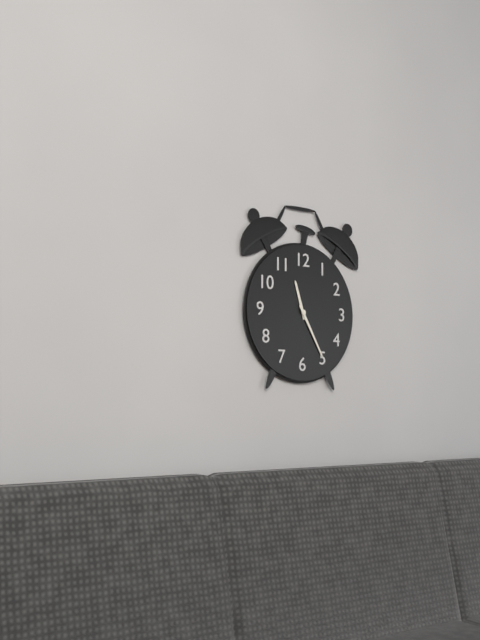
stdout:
11:25
